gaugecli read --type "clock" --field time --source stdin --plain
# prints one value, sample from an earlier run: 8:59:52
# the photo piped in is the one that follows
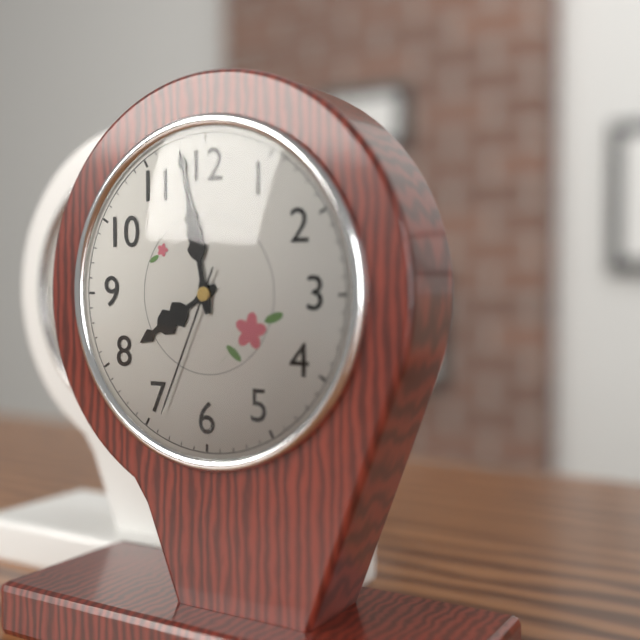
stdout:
7:58:34
